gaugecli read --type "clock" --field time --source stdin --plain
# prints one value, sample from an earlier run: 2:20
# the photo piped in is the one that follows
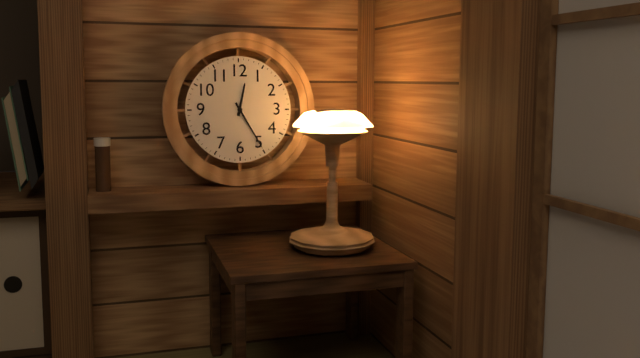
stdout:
12:25
